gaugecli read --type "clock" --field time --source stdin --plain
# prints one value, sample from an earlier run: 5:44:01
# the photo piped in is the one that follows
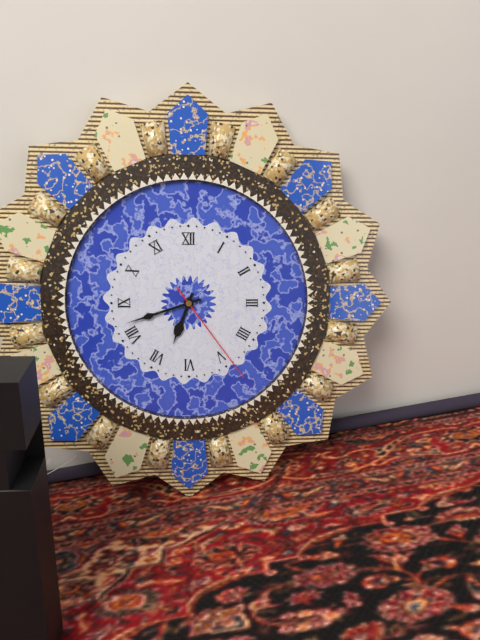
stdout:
6:42:24
